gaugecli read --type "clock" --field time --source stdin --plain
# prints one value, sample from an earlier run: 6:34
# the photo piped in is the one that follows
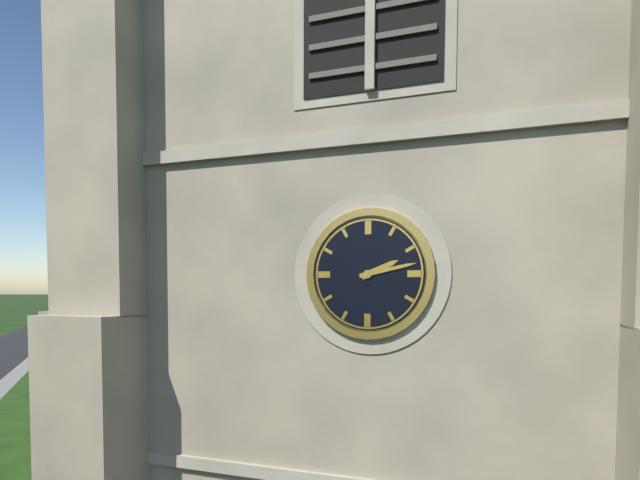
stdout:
2:13
